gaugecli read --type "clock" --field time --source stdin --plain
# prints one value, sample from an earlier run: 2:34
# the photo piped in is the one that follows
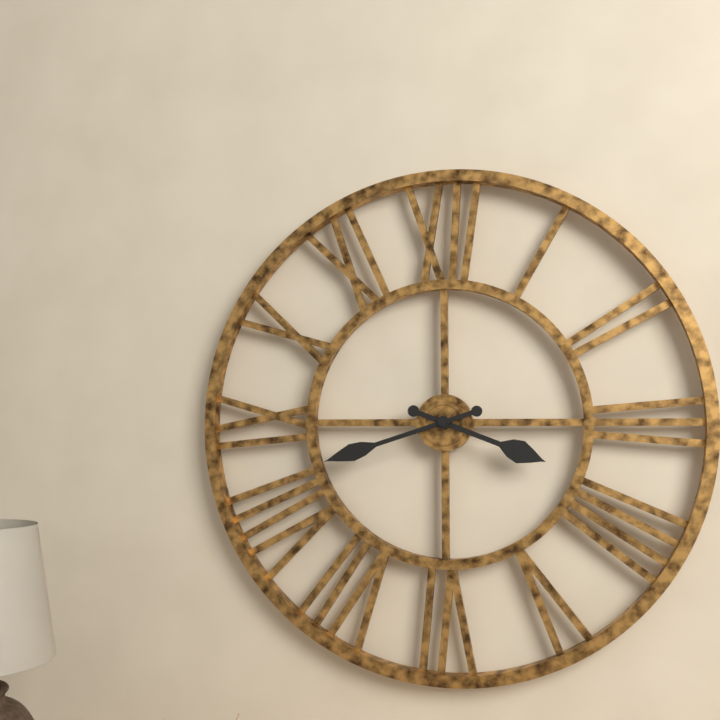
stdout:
3:42
